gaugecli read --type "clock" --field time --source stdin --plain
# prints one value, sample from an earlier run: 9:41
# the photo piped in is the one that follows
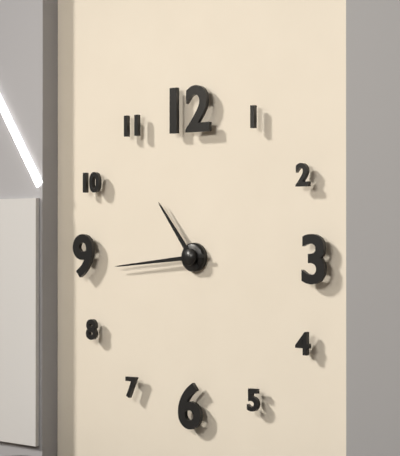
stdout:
10:44
